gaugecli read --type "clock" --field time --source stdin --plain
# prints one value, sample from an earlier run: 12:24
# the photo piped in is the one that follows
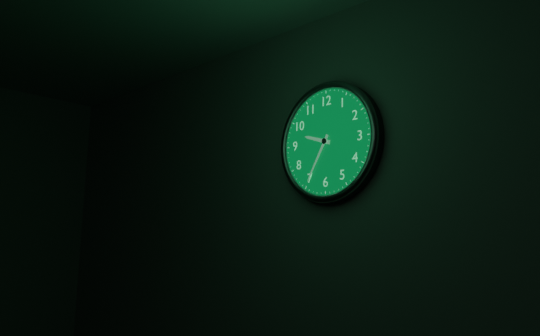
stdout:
9:35
